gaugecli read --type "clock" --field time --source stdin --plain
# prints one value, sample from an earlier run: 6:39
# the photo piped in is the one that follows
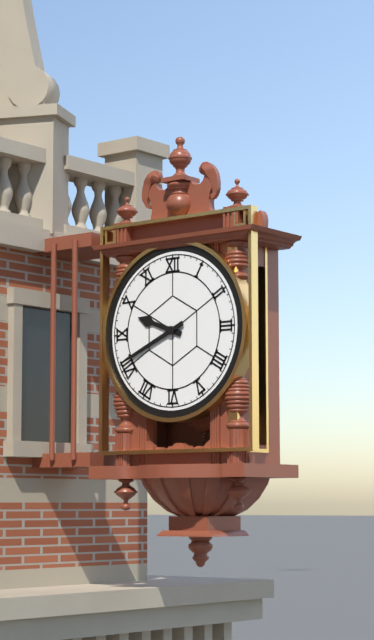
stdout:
9:41
